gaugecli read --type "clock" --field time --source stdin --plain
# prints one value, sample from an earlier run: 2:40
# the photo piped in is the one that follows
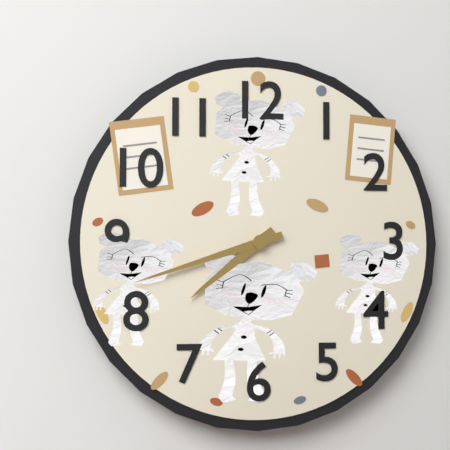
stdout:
7:42
